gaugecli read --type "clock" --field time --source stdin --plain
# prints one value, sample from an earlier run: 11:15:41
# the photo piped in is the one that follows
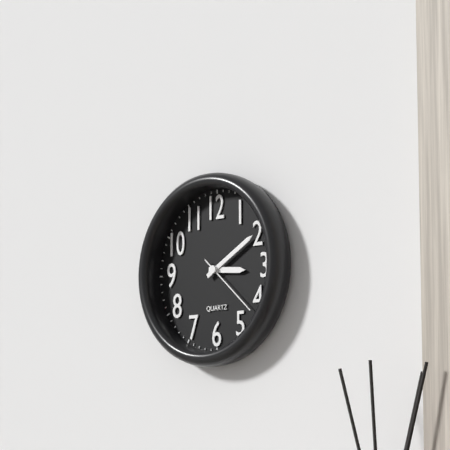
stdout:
3:10:22
